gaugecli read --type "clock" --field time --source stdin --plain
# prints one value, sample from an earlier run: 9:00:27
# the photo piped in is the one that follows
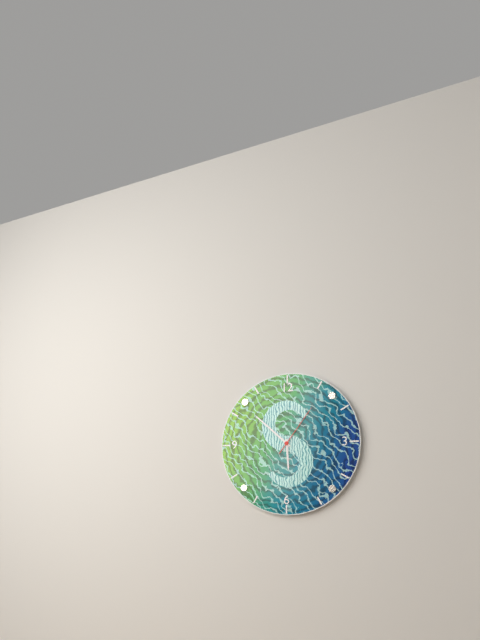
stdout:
5:52:06
